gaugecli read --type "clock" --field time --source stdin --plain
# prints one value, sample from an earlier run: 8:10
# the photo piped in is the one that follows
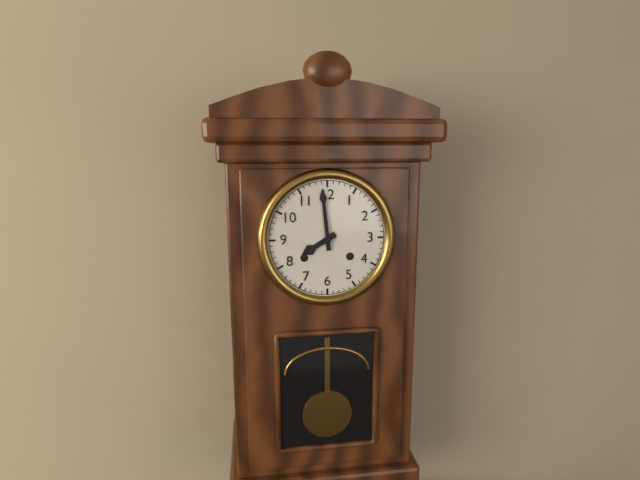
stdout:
7:59
